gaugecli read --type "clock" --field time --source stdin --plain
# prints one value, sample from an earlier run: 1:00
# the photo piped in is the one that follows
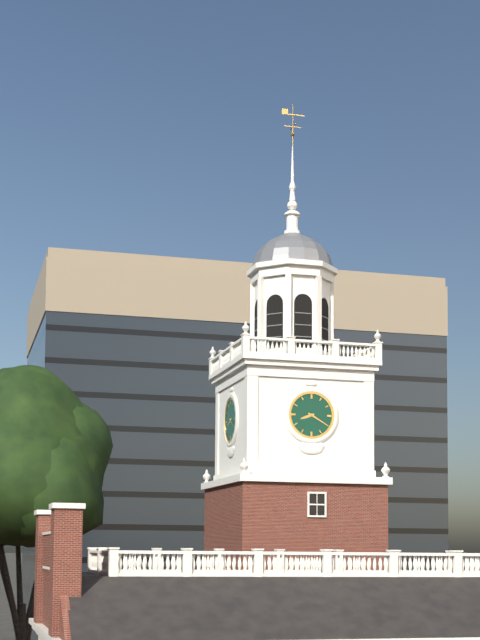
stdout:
8:20
